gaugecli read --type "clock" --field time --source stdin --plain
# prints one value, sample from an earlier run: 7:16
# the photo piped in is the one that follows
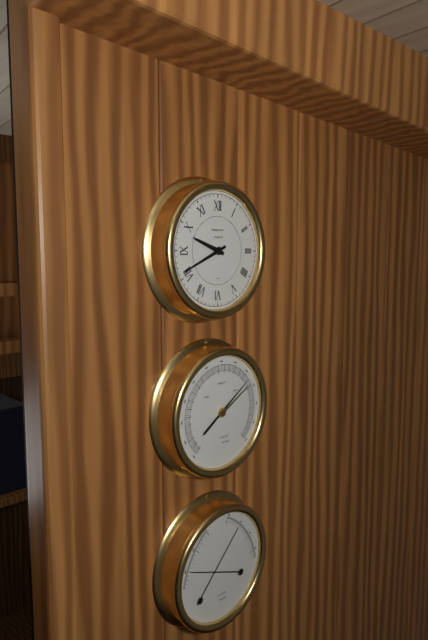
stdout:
9:41
